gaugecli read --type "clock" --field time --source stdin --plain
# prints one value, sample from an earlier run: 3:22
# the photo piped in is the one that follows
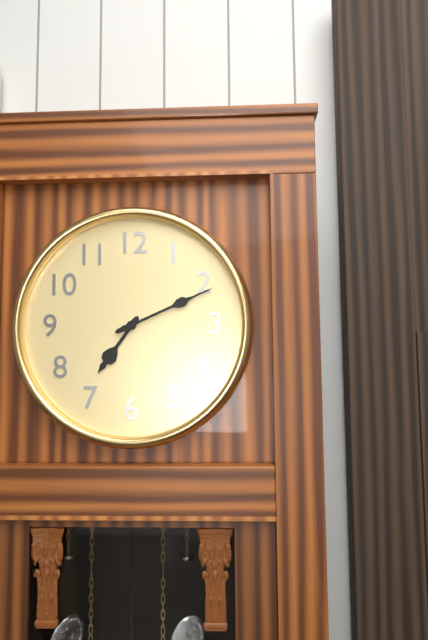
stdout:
7:11
